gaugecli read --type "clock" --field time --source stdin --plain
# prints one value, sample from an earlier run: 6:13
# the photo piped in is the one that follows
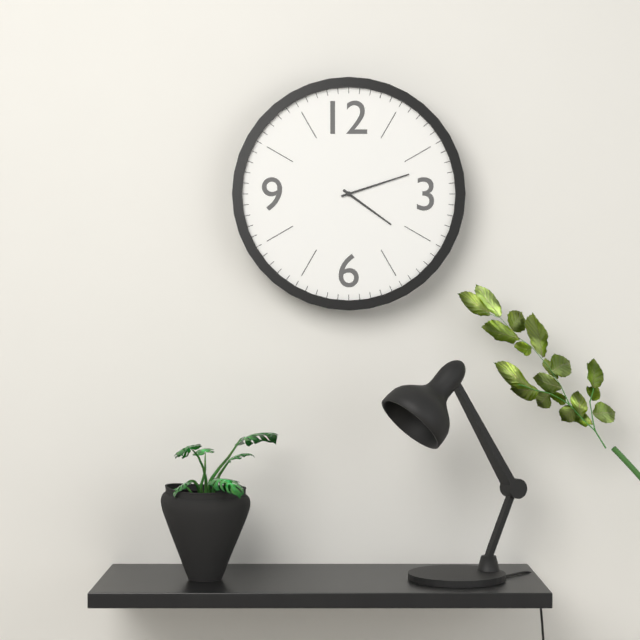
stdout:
4:12
